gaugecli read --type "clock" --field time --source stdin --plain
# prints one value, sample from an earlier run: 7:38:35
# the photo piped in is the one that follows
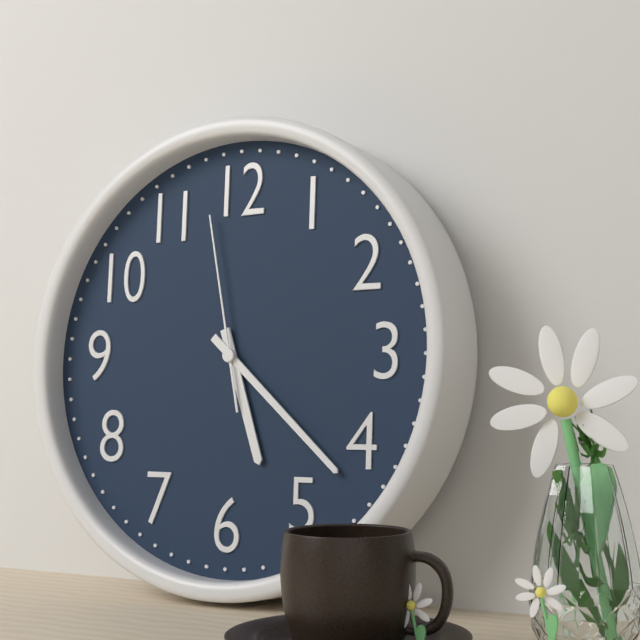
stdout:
5:22:58
